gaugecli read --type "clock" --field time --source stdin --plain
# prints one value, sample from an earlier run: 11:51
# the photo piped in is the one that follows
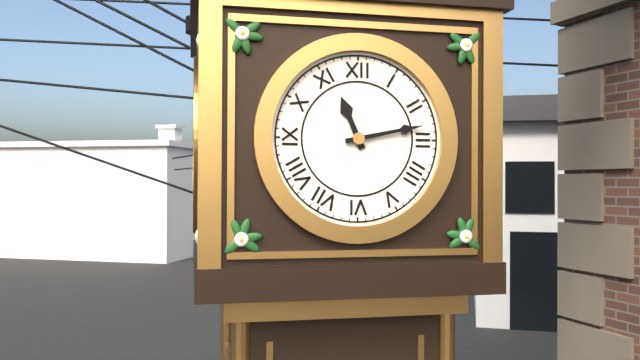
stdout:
11:13
